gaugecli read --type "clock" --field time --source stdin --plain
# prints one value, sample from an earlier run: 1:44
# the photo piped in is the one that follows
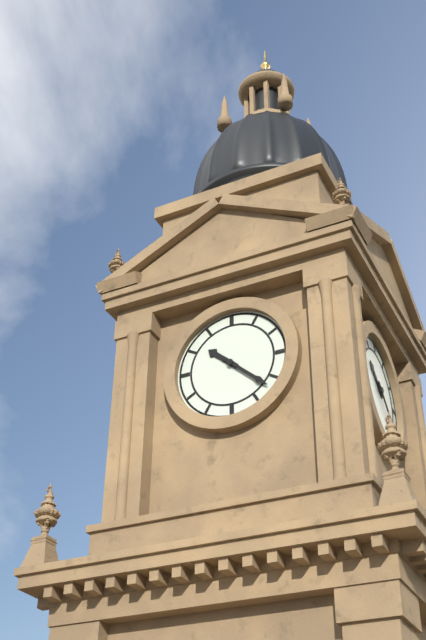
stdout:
10:22
